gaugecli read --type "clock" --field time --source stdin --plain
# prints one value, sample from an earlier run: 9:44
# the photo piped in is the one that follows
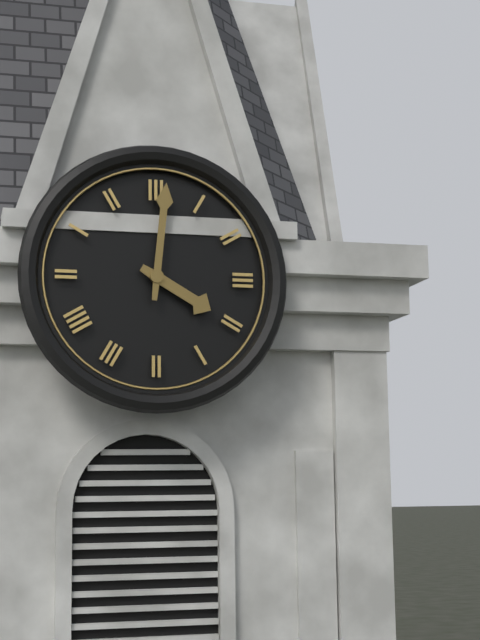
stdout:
4:01
